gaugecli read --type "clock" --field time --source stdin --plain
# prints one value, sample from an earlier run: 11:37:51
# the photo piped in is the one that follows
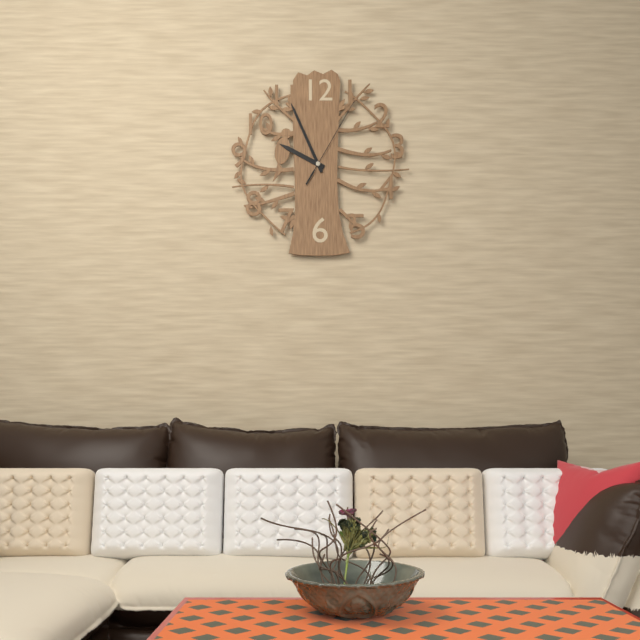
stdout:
9:56:05
